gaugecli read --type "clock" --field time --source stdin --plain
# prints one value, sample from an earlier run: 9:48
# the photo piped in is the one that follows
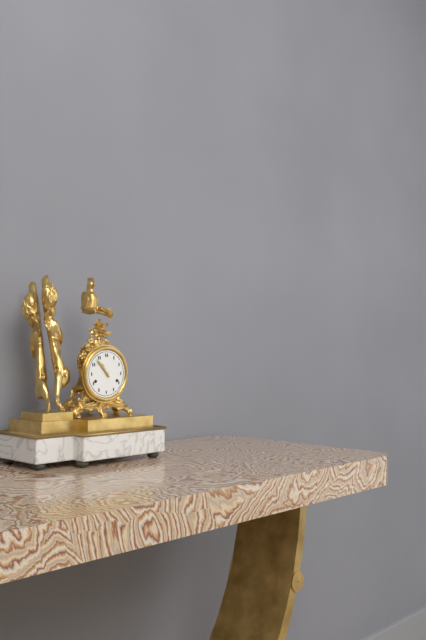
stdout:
10:53
